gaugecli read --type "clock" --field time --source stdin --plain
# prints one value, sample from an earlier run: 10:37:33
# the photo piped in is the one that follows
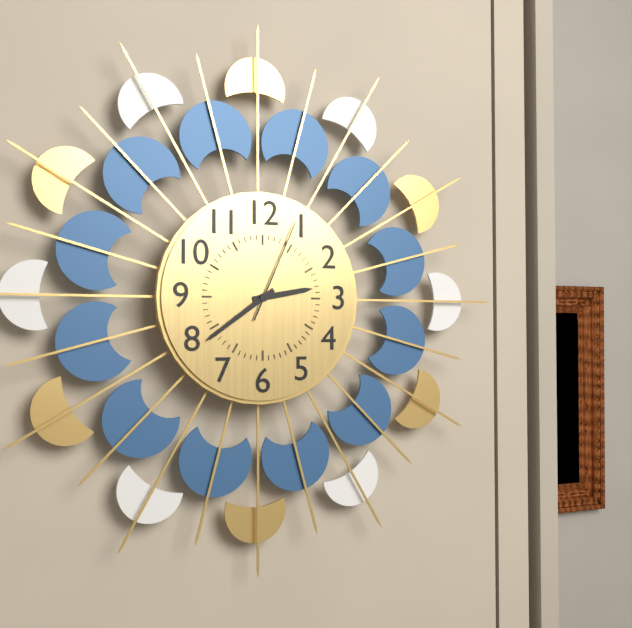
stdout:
2:39:04
